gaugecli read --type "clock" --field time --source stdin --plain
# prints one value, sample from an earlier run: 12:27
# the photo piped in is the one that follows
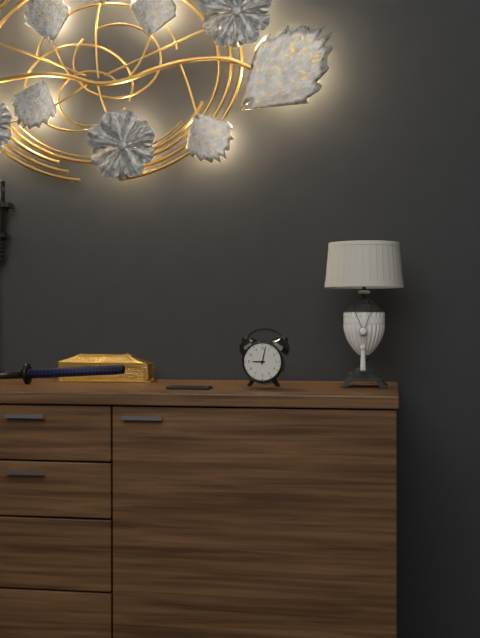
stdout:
9:02
